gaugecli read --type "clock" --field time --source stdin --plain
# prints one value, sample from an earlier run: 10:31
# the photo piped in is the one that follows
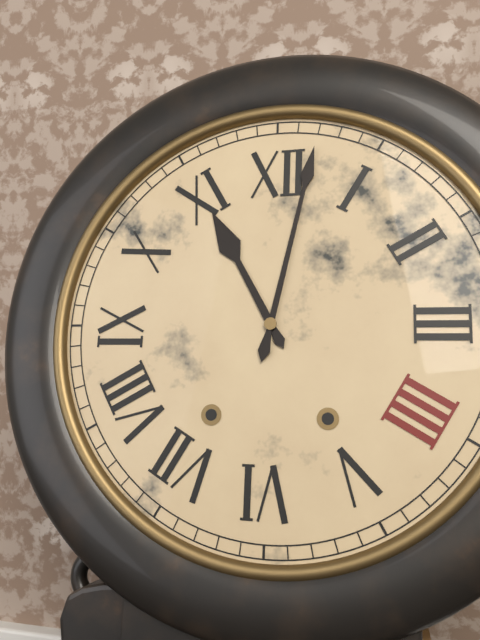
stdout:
11:02
